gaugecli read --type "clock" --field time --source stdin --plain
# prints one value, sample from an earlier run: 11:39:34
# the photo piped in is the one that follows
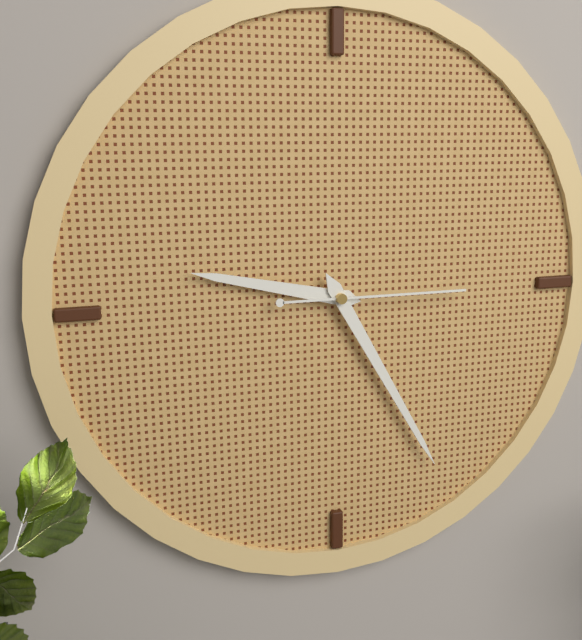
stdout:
9:25:15
